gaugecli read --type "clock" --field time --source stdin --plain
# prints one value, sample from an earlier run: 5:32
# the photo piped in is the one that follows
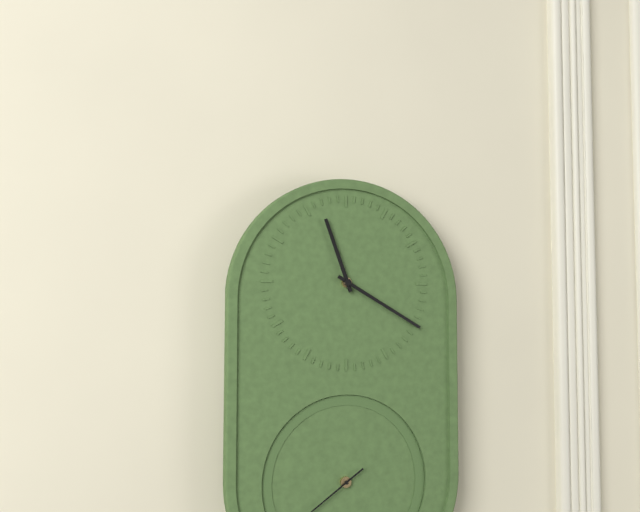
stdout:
11:20
